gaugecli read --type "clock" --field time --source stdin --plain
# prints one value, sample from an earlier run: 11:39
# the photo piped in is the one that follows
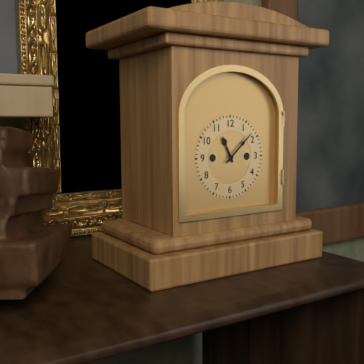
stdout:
11:08
